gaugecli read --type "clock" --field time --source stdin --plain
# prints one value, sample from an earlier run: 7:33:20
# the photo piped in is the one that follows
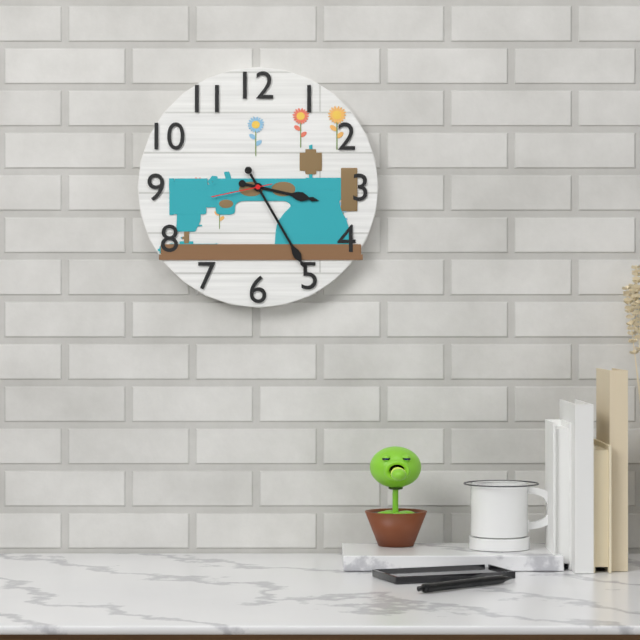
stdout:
3:25:43
